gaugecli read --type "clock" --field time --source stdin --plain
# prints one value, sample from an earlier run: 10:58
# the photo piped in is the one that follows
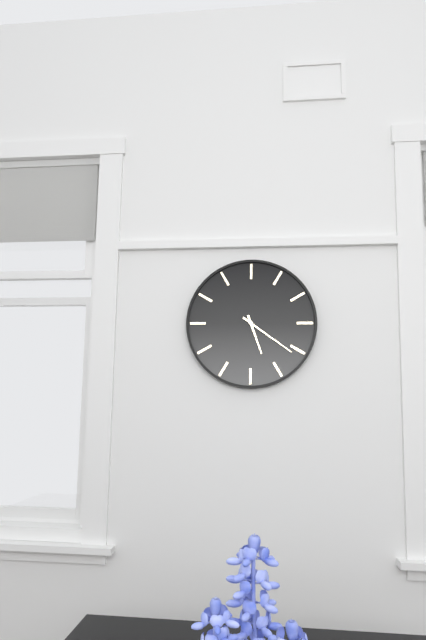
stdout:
5:21
